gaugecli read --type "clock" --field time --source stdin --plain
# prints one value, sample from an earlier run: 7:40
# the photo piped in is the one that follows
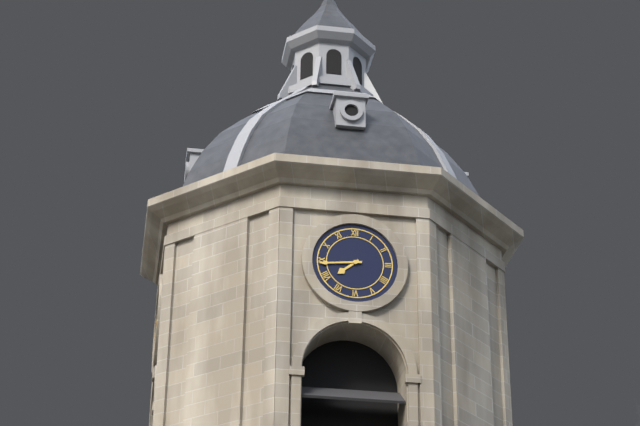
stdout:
7:44
